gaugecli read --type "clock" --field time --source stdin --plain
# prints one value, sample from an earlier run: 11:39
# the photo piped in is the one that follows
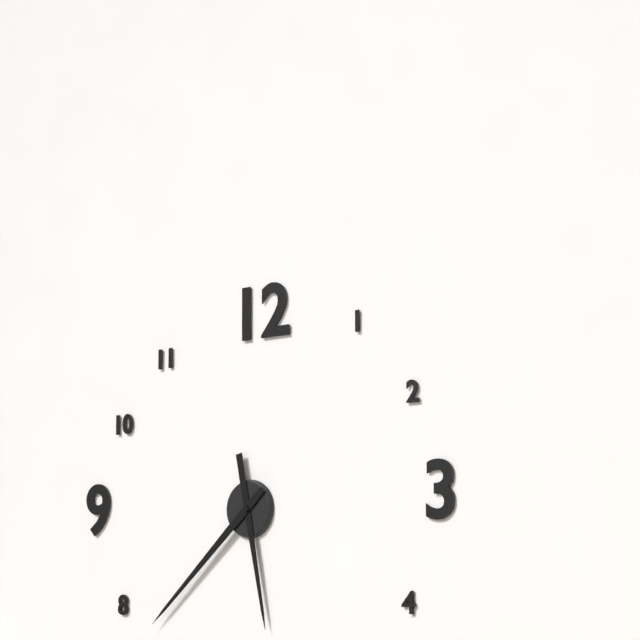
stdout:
5:38
